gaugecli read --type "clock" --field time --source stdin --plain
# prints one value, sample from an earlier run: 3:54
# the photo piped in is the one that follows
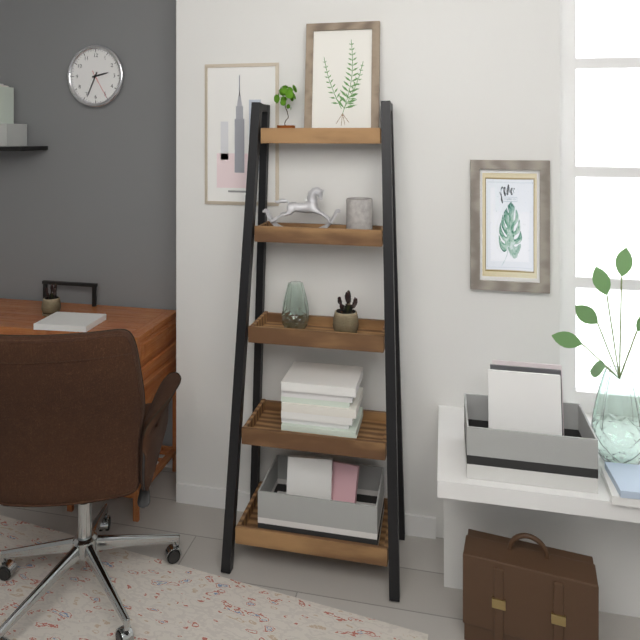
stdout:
2:34
